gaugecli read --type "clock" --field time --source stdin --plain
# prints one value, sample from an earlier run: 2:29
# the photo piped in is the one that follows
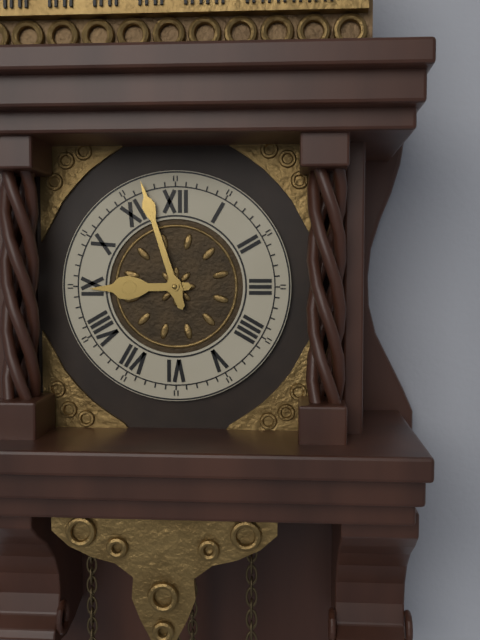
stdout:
8:57
